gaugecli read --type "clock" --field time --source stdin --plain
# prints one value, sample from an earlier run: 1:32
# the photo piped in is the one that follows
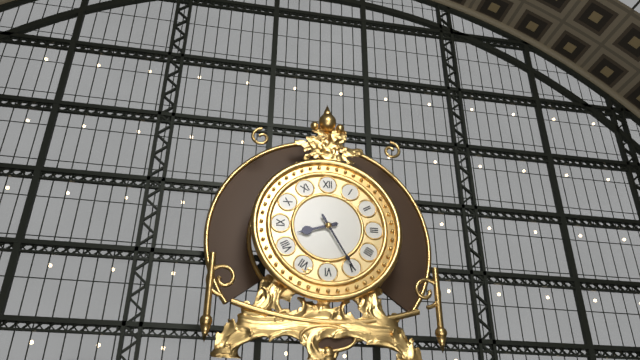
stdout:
8:25
